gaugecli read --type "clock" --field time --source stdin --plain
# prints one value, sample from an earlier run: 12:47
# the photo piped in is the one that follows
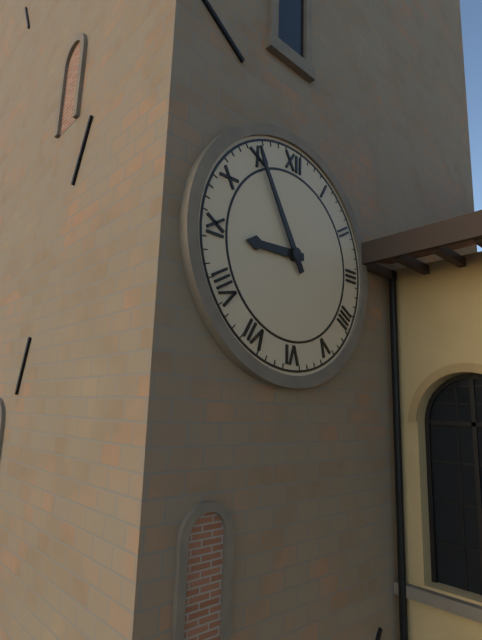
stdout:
8:55
